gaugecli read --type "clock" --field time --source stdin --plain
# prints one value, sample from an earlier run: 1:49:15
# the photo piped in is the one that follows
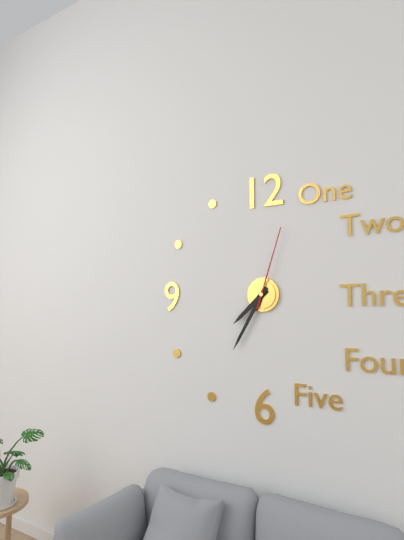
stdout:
7:35:03
